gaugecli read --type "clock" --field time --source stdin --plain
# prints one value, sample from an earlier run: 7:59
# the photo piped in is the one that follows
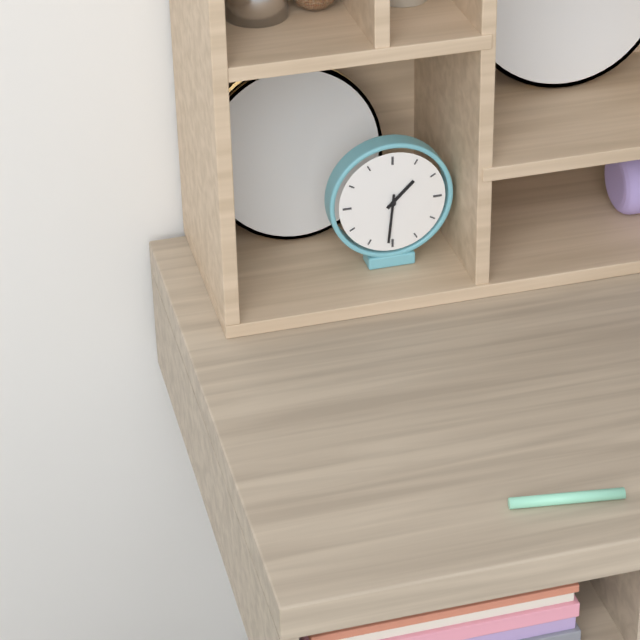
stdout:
1:31
